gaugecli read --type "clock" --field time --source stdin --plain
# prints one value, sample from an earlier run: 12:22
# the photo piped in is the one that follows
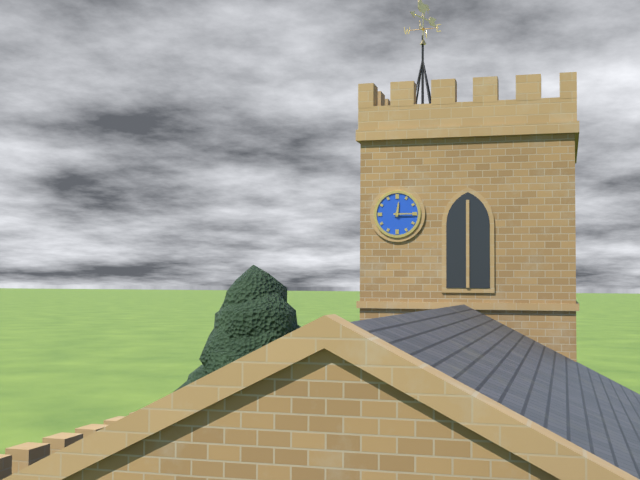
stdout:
12:15
